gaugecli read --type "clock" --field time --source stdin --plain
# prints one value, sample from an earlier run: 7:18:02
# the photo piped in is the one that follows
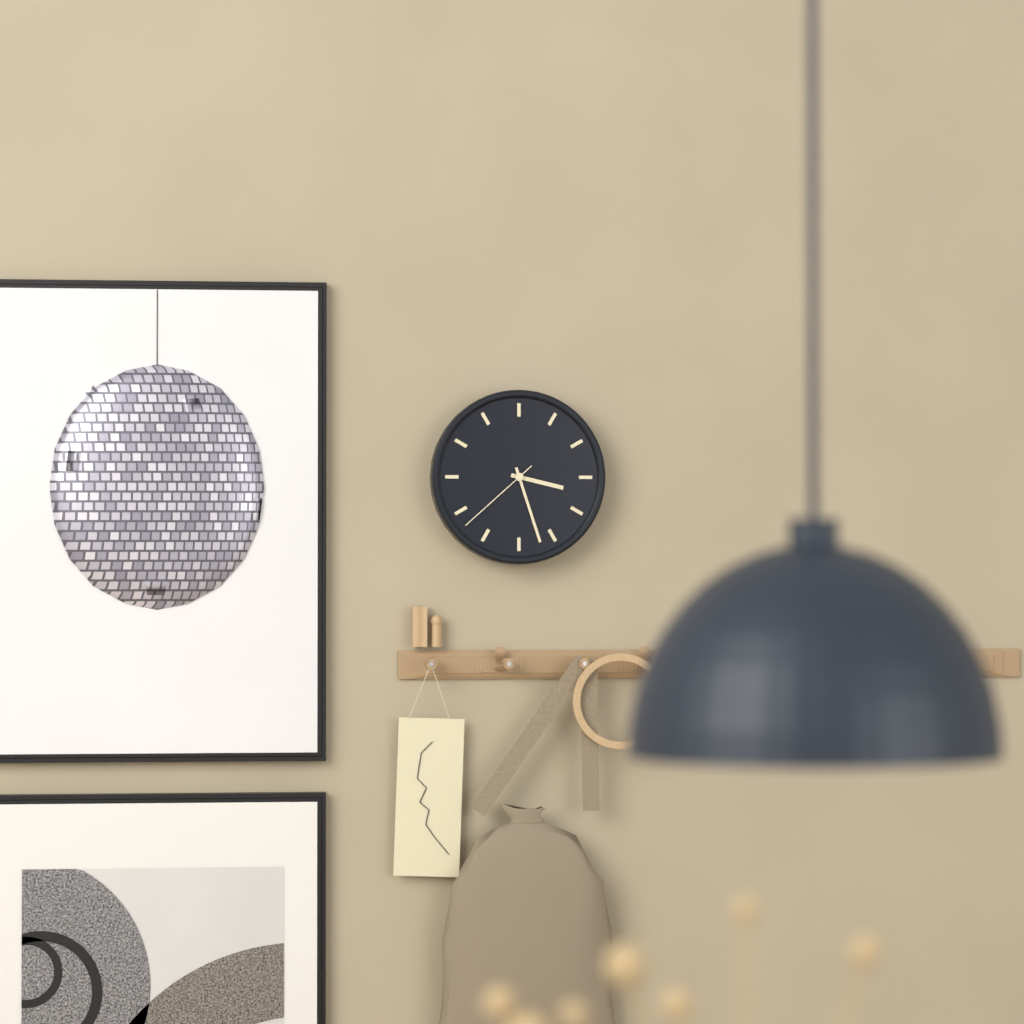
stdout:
3:27:38
